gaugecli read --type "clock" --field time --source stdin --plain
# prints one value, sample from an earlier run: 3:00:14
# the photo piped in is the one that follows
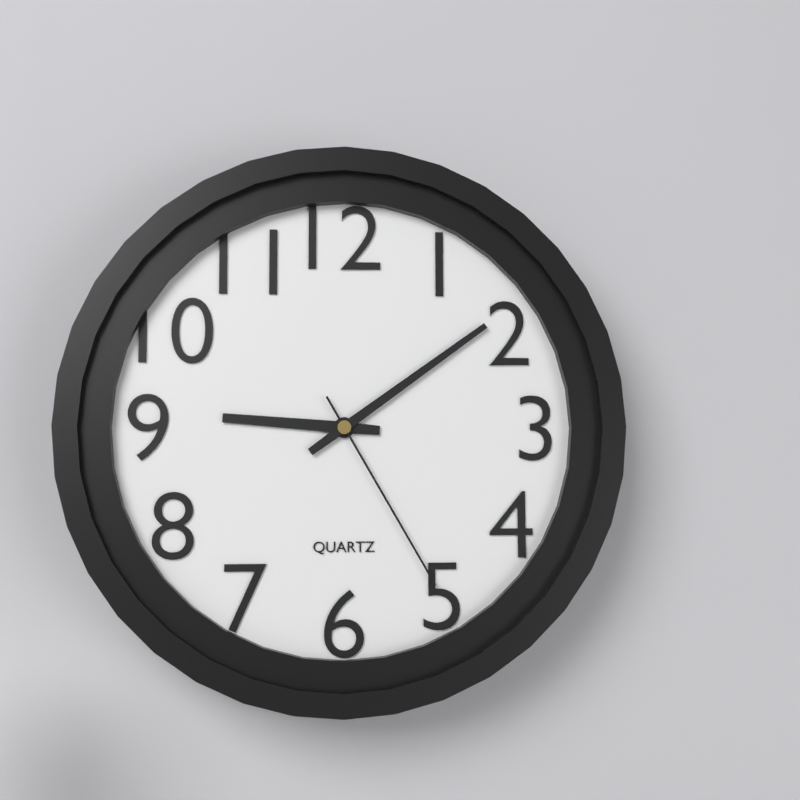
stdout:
9:09:25
